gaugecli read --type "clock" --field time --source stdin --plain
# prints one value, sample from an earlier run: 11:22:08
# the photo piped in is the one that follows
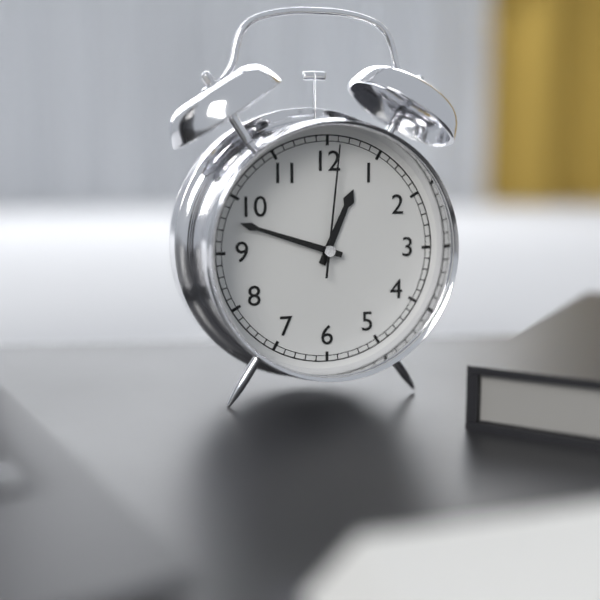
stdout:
12:48:01
